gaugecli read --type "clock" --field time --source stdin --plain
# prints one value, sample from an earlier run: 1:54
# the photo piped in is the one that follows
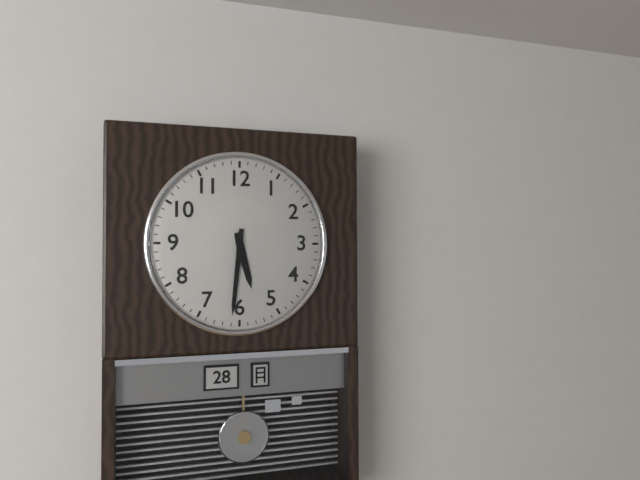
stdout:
5:31
